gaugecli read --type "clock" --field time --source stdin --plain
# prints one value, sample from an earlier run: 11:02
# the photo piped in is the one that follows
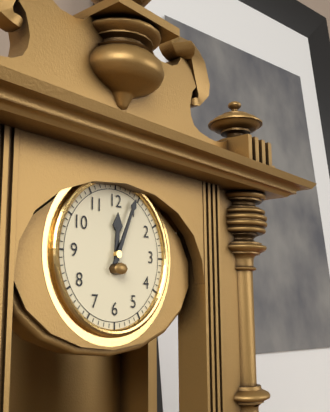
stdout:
12:04
